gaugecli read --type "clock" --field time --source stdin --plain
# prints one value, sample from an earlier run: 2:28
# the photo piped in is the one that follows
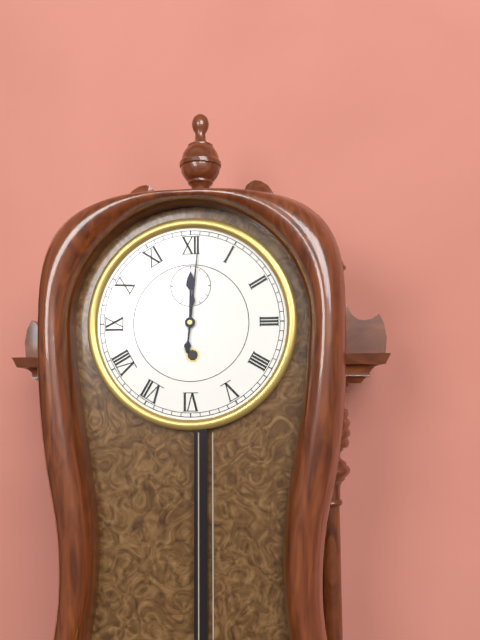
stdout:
12:01
